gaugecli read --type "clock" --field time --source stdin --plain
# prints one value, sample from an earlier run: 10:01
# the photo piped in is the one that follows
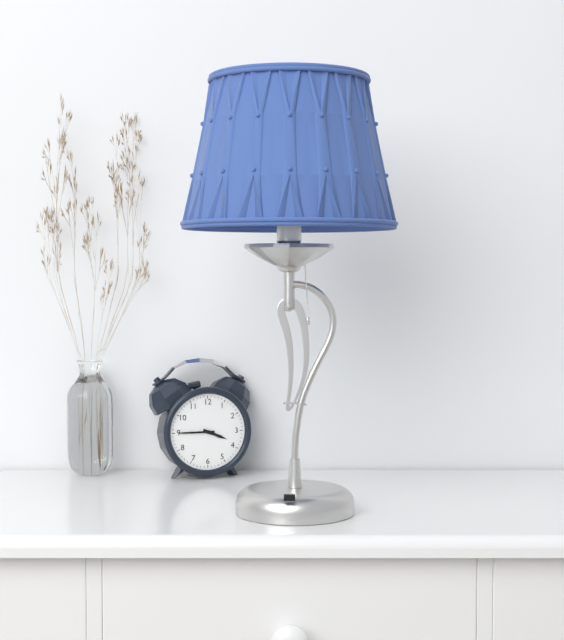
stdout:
3:45
